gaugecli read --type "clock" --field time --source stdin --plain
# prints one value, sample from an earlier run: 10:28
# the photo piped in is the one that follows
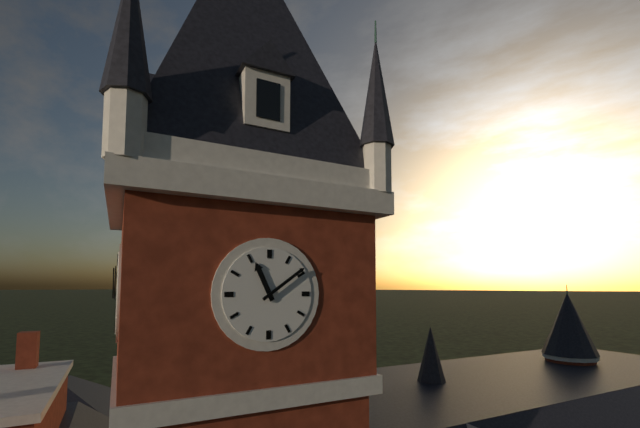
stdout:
11:09
